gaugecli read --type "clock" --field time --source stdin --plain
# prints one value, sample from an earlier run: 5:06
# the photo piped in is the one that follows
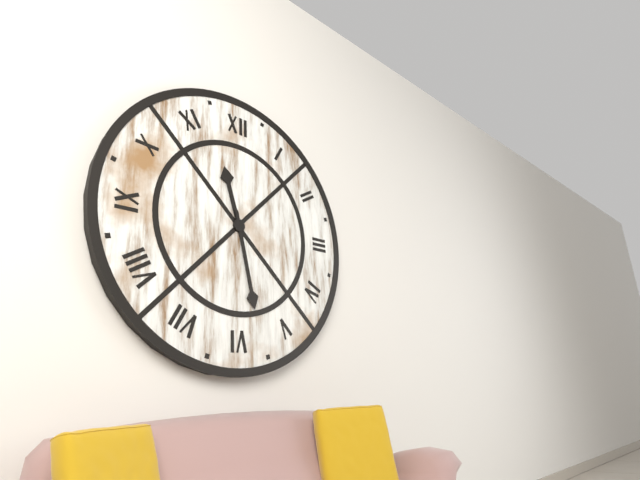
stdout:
11:28
